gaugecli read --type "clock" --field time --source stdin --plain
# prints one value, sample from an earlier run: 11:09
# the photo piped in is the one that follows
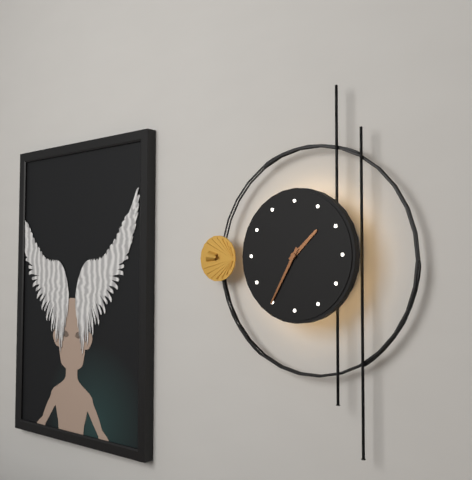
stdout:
1:35
